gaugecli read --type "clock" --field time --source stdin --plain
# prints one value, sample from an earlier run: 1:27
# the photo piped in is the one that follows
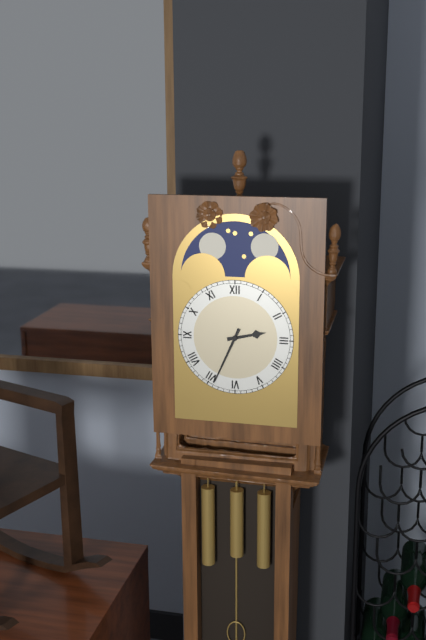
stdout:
2:34
